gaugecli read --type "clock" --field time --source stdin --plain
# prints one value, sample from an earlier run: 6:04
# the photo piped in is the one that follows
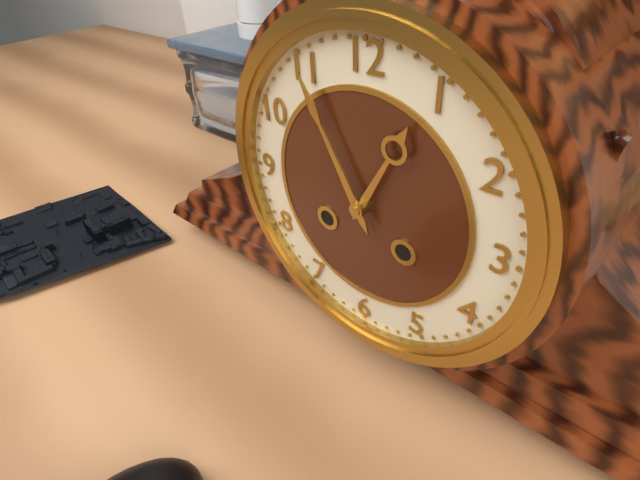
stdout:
12:55
